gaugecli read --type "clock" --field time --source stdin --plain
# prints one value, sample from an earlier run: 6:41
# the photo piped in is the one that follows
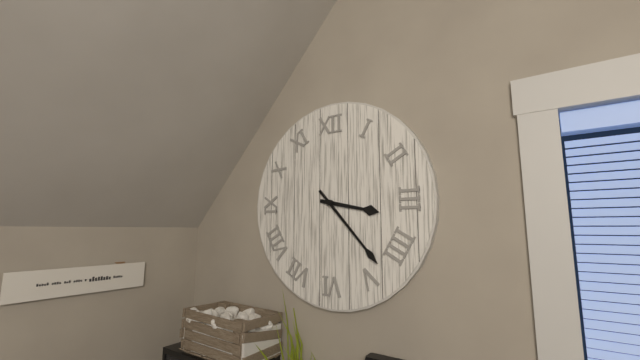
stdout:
3:23
